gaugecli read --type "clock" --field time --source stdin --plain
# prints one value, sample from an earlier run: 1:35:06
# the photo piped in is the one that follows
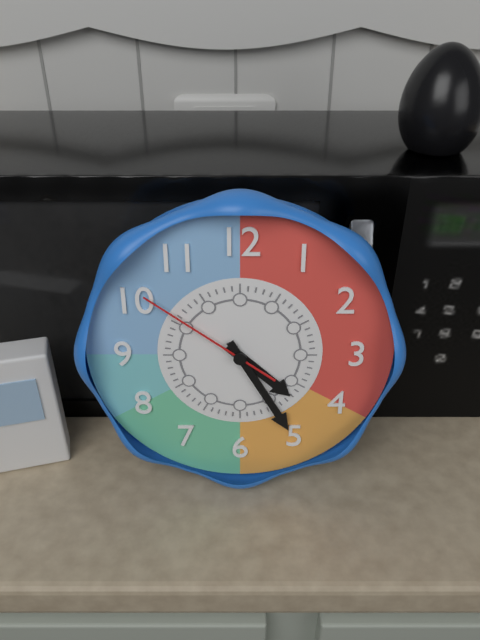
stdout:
4:25:51
